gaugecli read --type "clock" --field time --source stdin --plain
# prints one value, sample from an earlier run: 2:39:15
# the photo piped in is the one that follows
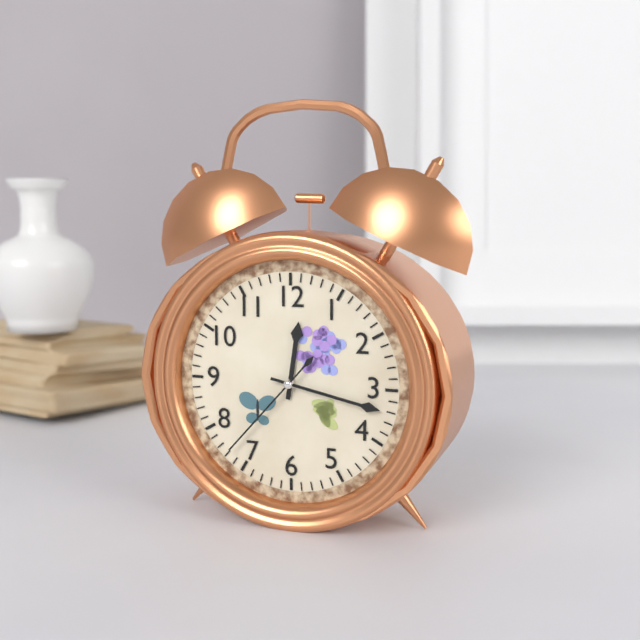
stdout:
12:17:37
